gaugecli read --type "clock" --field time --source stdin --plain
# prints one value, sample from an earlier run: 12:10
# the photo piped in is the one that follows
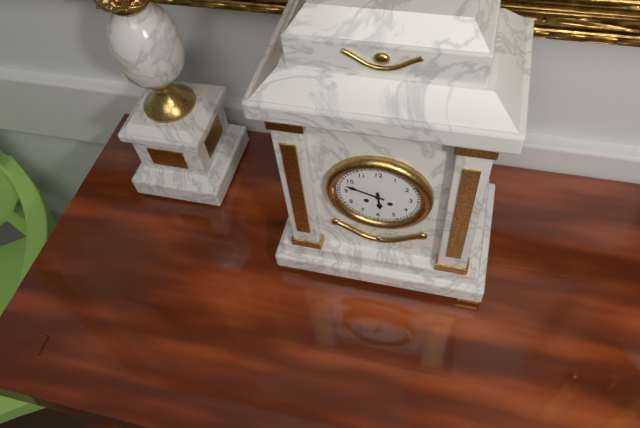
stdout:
5:48
